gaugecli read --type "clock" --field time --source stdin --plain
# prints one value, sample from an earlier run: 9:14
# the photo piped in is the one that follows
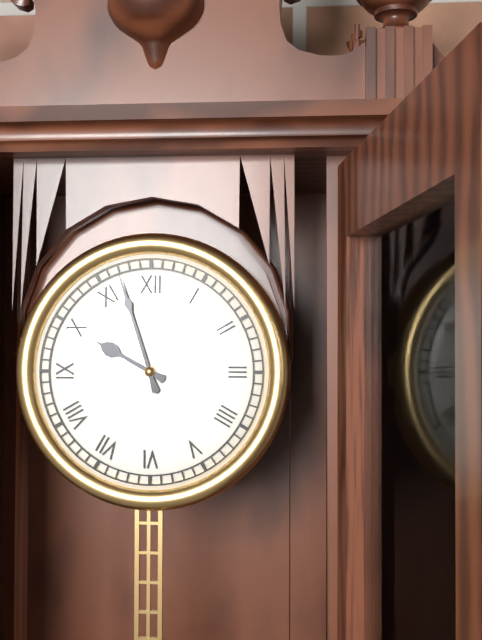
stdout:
9:57
